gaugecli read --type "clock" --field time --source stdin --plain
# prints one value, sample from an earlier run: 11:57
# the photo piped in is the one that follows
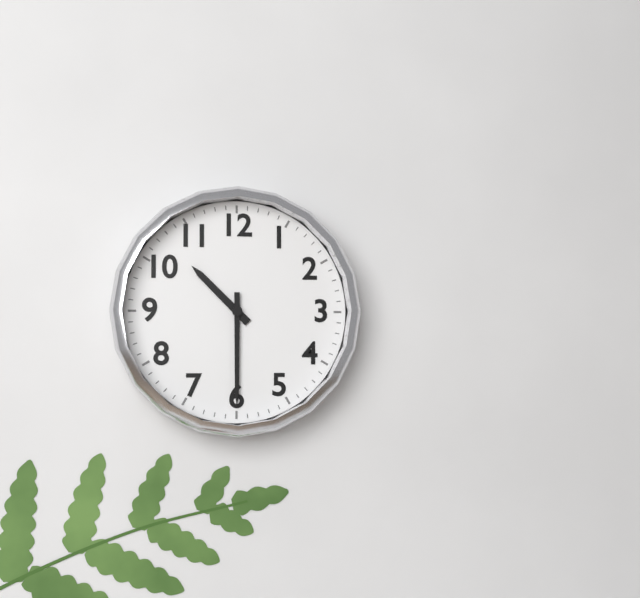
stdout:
10:30
